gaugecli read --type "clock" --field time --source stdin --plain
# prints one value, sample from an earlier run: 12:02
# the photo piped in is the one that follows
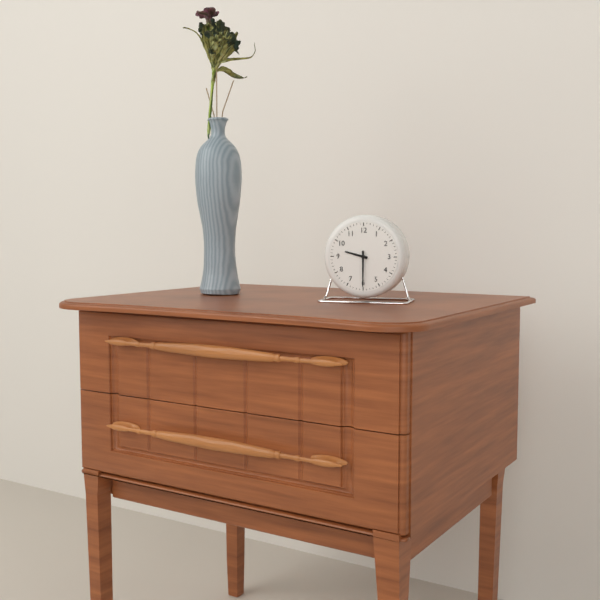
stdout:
9:30
